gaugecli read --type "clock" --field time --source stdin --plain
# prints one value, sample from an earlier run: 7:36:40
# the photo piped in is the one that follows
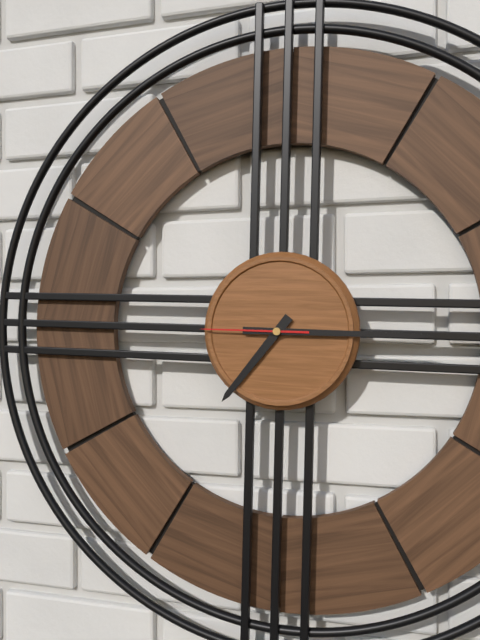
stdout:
7:15:45
